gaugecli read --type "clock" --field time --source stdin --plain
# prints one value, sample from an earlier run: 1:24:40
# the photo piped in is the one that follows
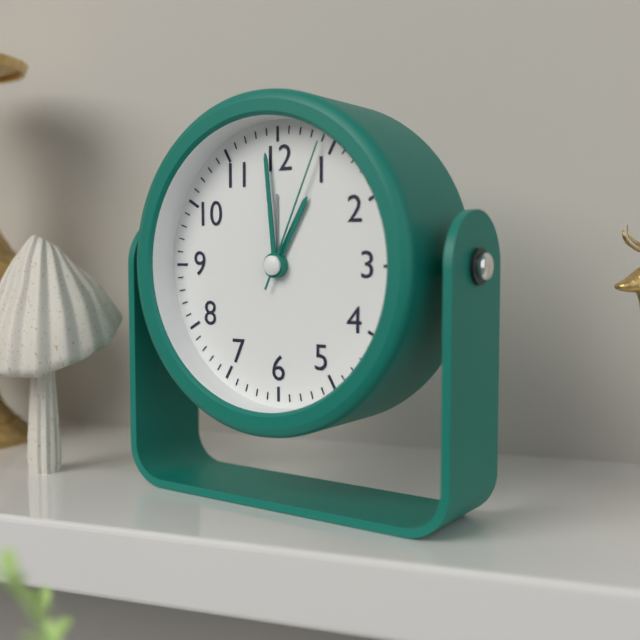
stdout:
12:59:04
